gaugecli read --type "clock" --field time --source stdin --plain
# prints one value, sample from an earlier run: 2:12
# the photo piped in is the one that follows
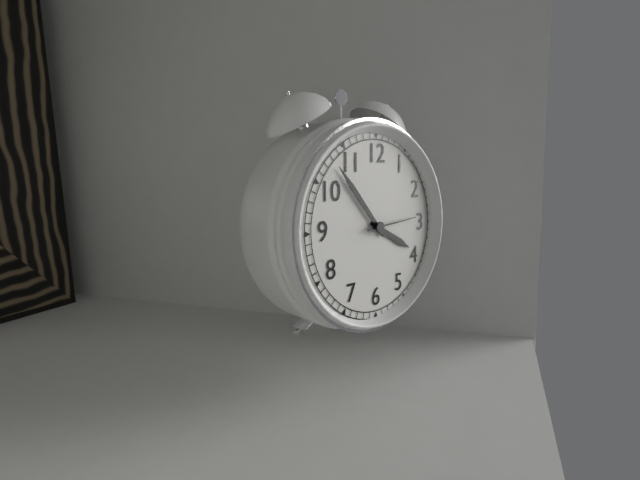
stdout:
3:53
